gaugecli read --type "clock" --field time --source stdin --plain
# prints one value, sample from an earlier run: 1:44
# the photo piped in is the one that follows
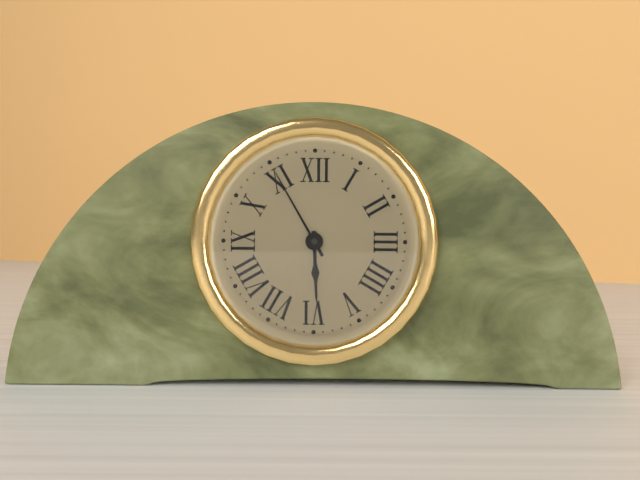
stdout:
5:55
